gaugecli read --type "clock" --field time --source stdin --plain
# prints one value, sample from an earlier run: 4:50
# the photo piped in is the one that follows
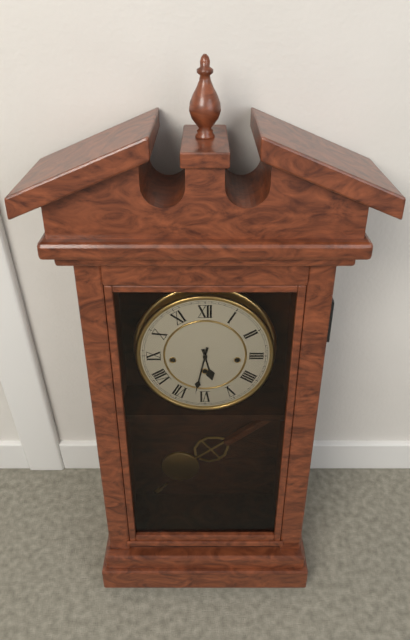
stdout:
5:32
